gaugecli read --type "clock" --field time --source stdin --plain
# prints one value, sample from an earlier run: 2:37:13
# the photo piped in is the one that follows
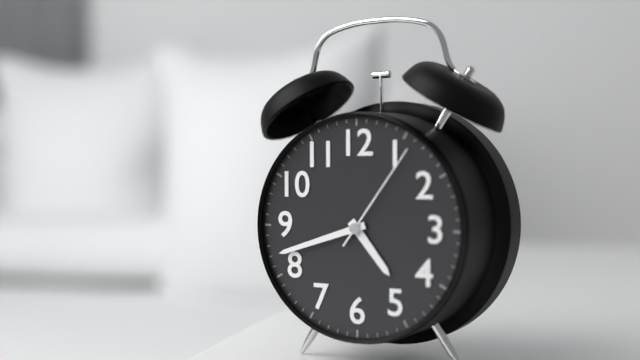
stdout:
4:42:06
